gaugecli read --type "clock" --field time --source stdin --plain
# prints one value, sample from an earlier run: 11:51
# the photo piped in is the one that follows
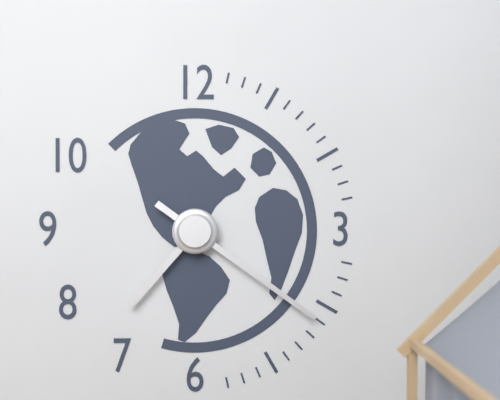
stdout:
7:21
